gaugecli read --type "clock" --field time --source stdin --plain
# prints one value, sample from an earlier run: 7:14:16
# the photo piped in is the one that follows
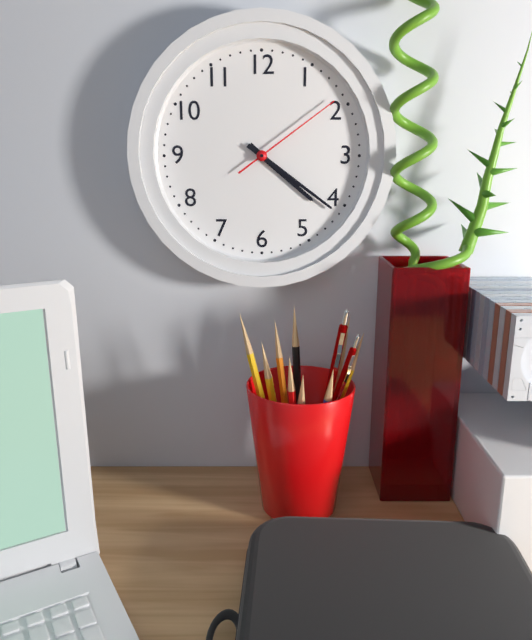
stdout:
4:21:09
